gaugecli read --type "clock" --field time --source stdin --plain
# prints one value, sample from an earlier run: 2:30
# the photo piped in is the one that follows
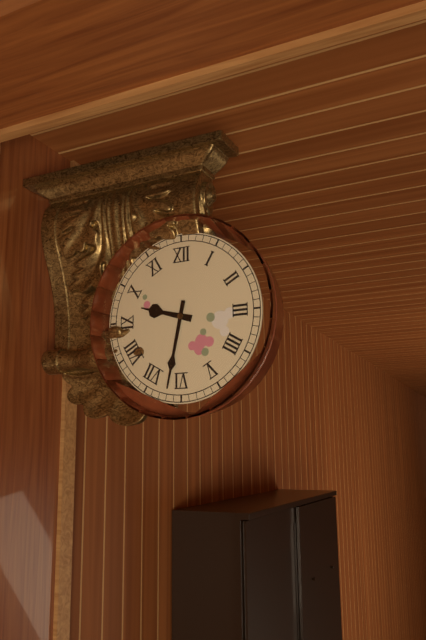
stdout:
9:32
